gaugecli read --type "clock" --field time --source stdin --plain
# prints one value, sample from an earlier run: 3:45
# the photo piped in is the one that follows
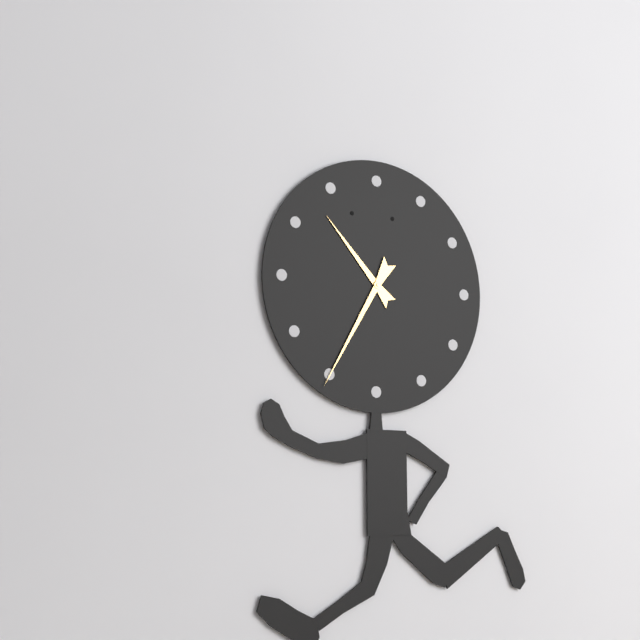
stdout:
10:35
